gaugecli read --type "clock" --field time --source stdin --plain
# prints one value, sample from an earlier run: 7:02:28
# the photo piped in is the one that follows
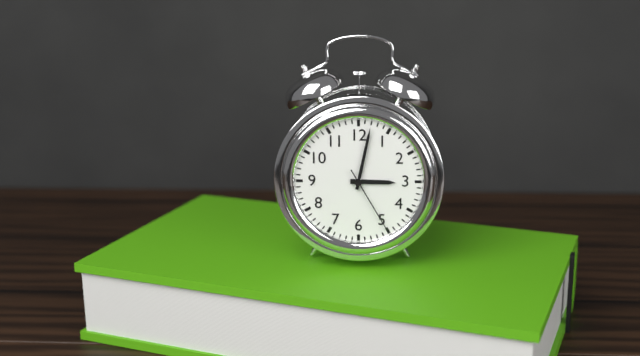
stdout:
3:02:25
